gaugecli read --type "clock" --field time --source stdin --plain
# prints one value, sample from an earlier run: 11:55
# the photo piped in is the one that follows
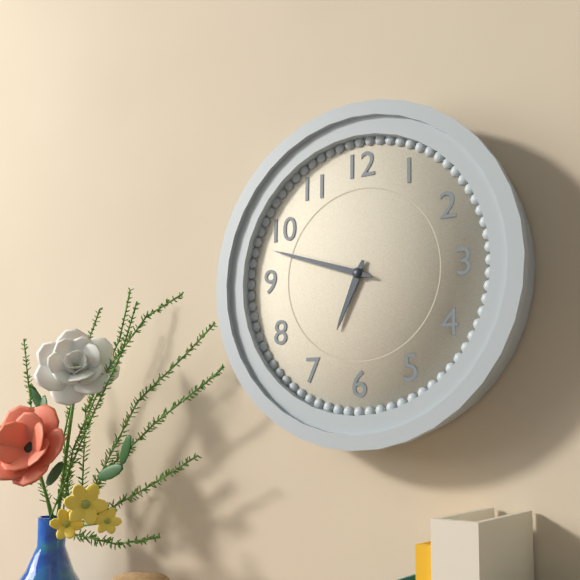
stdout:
6:48
